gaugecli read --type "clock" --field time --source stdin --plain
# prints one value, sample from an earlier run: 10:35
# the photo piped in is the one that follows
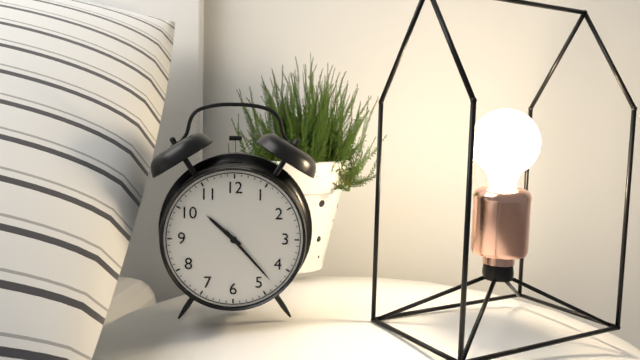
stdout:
10:23
